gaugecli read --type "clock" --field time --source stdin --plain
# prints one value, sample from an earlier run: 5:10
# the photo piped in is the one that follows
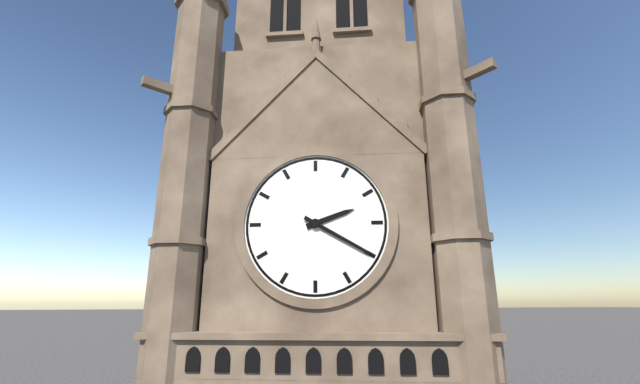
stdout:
2:20
